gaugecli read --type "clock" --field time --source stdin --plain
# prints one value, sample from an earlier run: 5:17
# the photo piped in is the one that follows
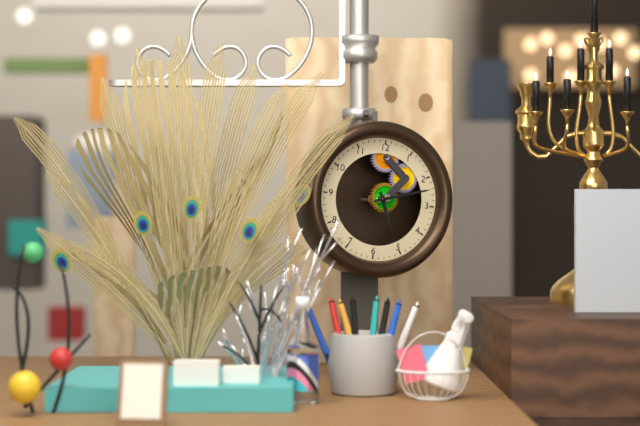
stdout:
5:12
